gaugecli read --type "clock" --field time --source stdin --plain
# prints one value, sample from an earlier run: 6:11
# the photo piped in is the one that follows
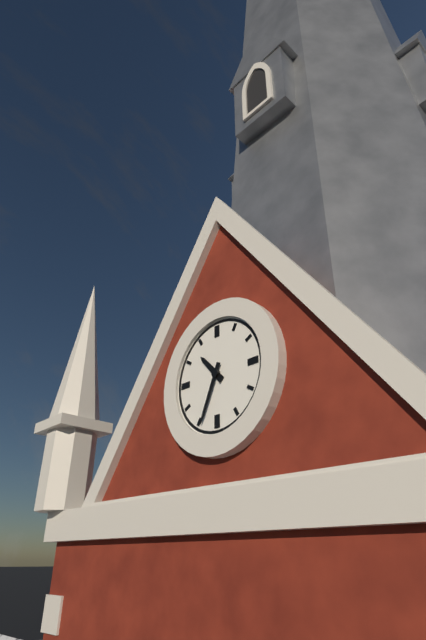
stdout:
10:34
